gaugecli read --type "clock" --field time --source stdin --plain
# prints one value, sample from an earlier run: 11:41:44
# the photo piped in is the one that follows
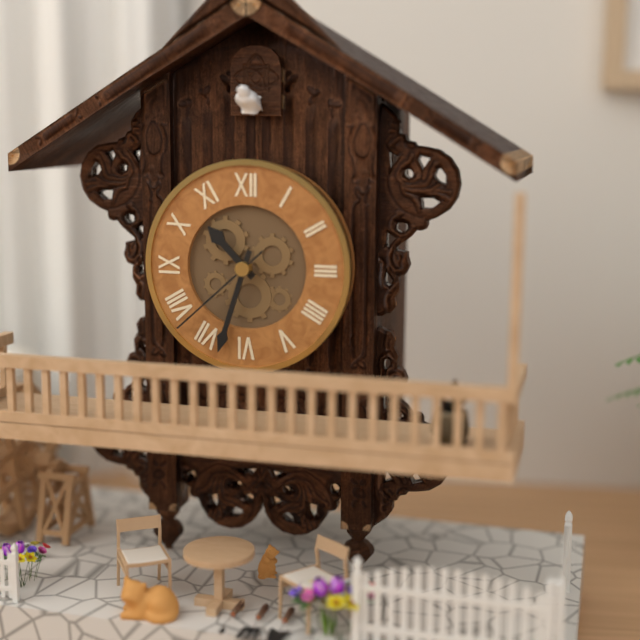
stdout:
10:33:38
